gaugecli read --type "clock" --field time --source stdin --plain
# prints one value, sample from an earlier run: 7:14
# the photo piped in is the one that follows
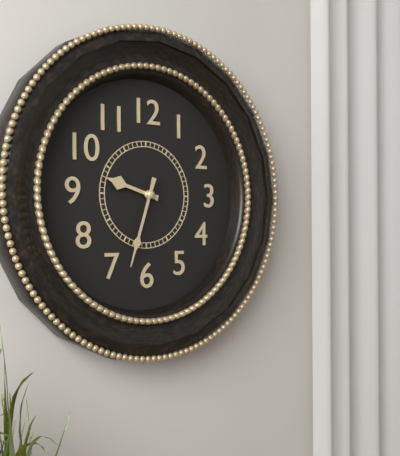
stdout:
9:33
